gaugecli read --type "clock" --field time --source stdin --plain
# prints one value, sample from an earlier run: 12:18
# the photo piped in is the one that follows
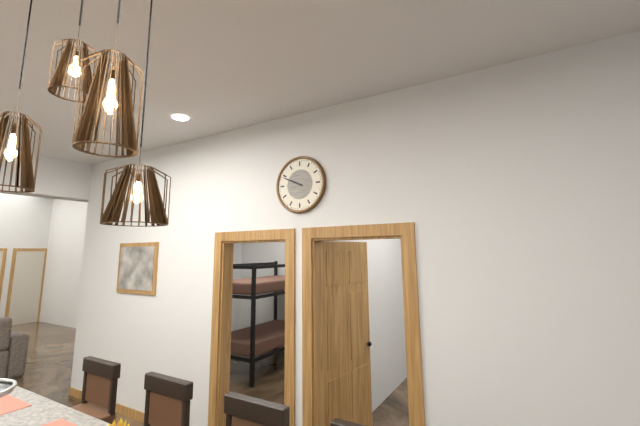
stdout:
9:49
